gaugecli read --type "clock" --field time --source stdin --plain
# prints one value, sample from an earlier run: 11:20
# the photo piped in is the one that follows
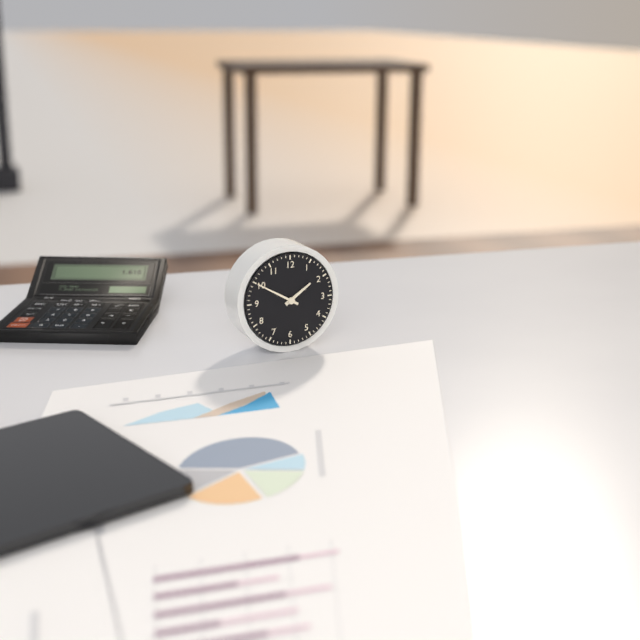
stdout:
1:50
